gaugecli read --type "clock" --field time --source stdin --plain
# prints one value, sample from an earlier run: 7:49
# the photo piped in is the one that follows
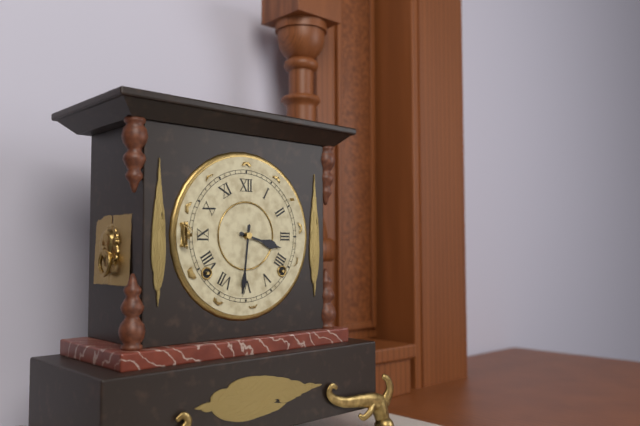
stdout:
3:31
